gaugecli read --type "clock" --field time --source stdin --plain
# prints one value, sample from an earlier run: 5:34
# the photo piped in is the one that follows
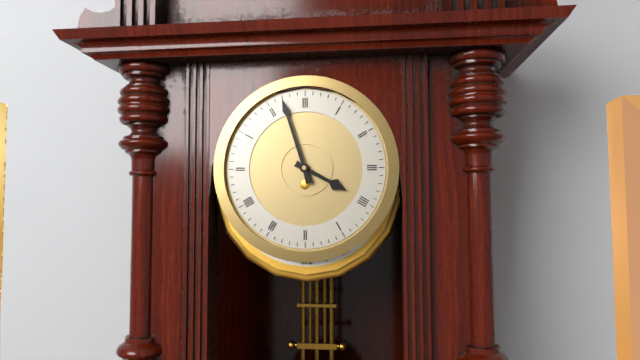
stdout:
3:57
